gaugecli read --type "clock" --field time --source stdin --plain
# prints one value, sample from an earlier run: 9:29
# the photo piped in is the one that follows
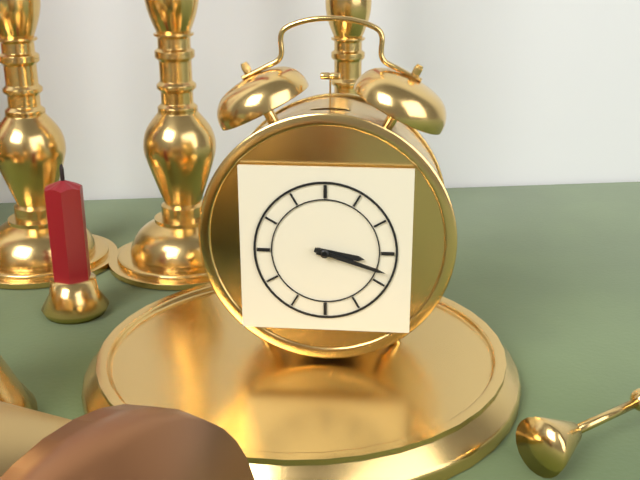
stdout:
3:18
